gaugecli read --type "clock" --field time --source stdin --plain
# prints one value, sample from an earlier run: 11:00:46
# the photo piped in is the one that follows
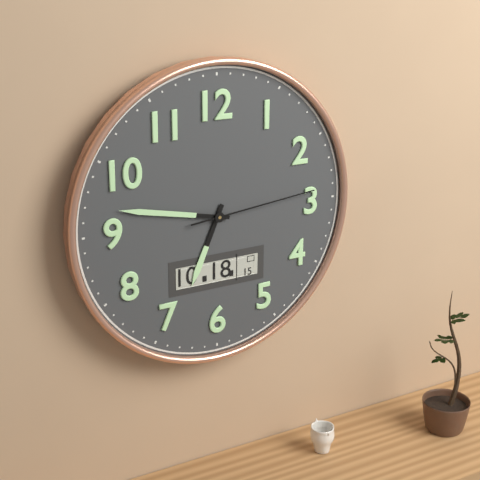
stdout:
6:47:14
